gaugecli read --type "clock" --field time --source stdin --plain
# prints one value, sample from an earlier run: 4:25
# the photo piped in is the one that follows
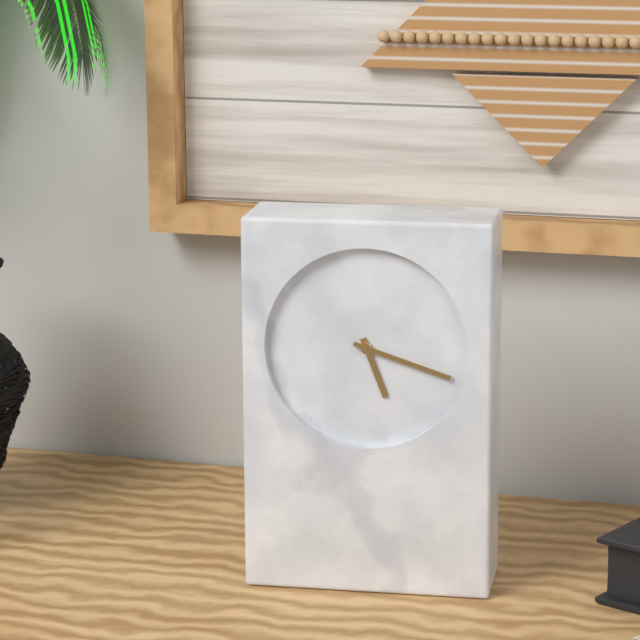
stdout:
5:18
